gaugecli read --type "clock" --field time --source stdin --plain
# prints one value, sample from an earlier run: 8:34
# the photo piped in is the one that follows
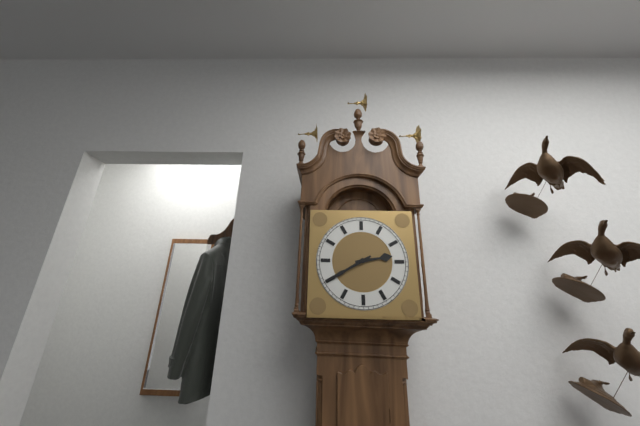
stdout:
2:40
